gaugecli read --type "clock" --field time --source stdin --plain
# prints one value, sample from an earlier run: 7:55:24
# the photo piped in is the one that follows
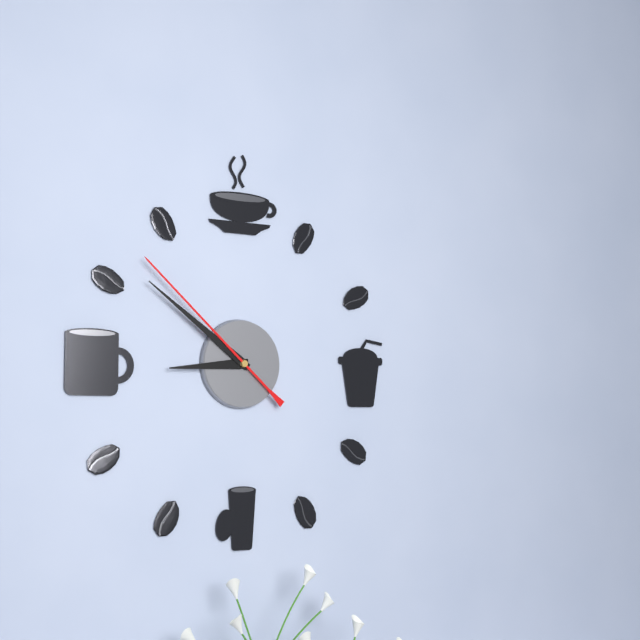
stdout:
8:51:52
